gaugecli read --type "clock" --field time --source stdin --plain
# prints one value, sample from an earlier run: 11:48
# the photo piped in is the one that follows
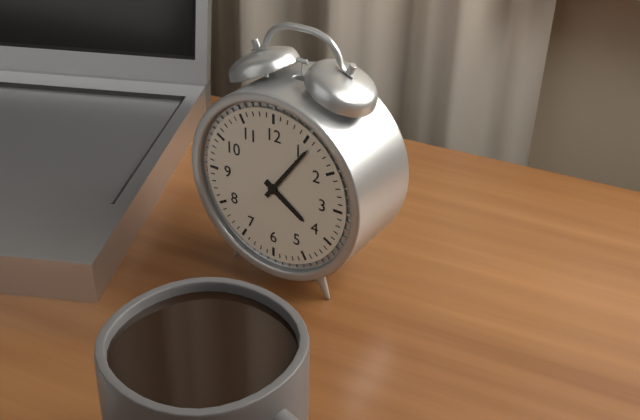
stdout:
4:06
